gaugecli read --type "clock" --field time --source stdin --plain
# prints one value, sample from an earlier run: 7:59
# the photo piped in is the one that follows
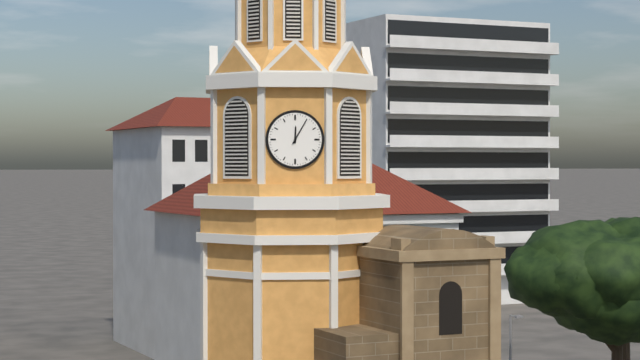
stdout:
12:05
